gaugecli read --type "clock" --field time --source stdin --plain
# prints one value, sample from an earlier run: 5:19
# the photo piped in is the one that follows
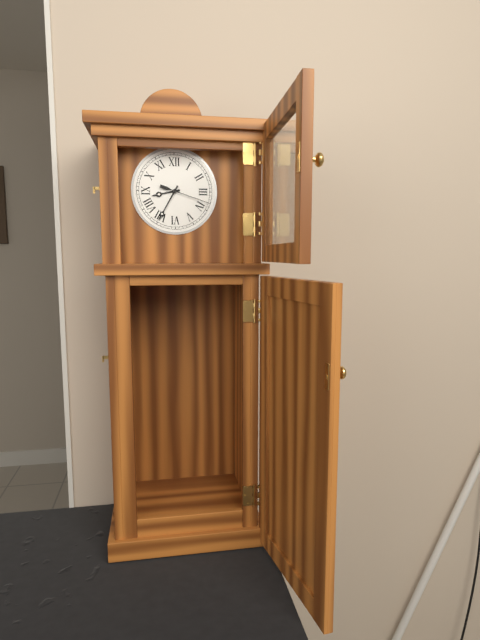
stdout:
8:35
